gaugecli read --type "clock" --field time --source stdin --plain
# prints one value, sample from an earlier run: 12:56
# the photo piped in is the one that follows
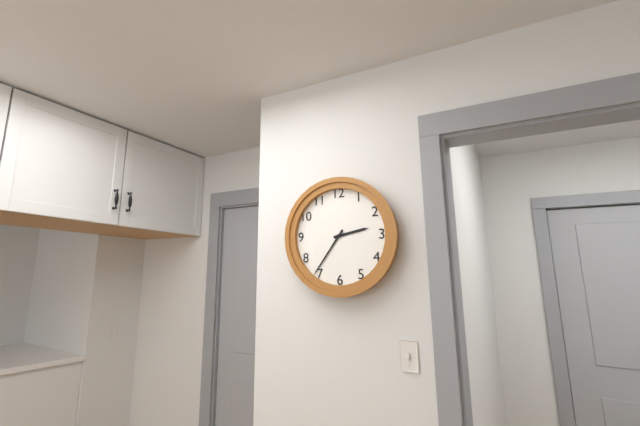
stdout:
2:36
